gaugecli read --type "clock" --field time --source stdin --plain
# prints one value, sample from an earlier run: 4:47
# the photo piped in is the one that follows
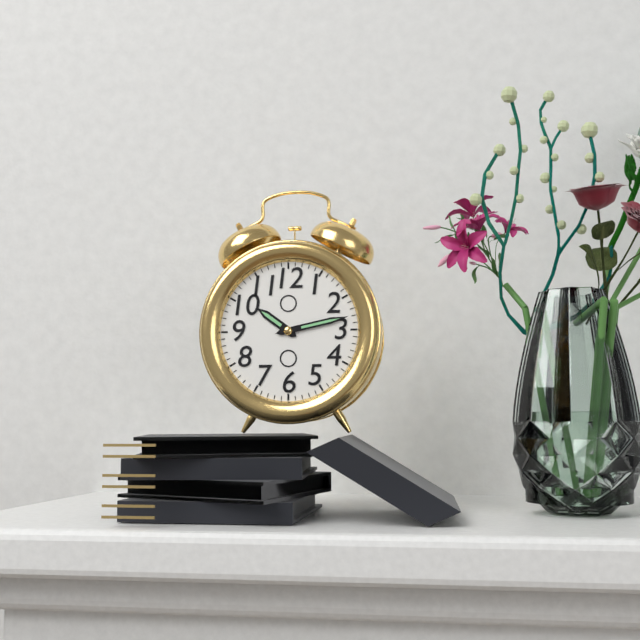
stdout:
10:13
